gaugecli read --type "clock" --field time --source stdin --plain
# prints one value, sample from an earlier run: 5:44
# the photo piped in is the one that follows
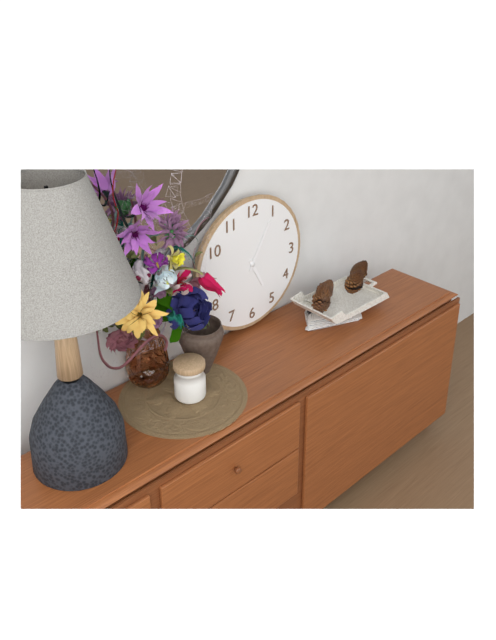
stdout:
5:05
